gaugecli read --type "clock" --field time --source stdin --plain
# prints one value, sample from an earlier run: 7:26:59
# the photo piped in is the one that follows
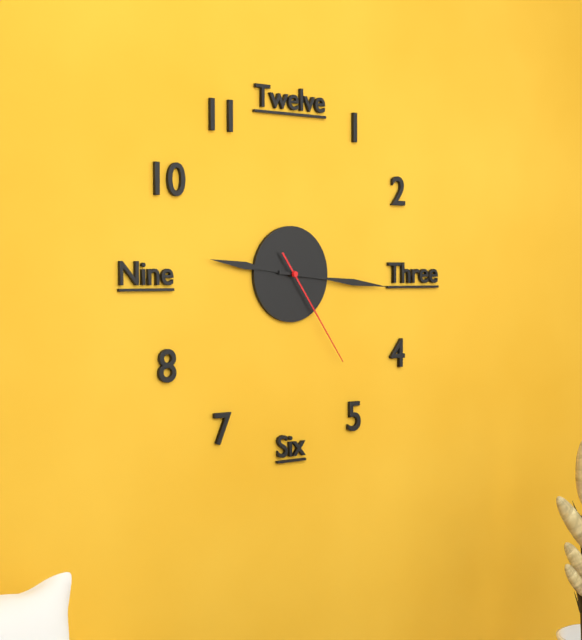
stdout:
9:16:24
